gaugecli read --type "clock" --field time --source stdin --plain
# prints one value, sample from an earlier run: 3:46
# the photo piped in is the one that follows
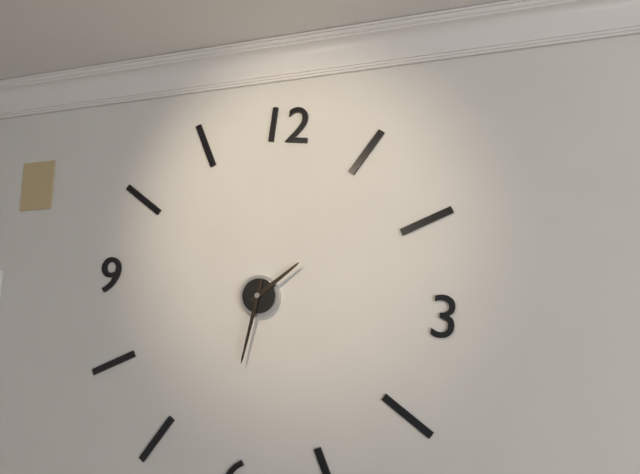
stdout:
1:31
